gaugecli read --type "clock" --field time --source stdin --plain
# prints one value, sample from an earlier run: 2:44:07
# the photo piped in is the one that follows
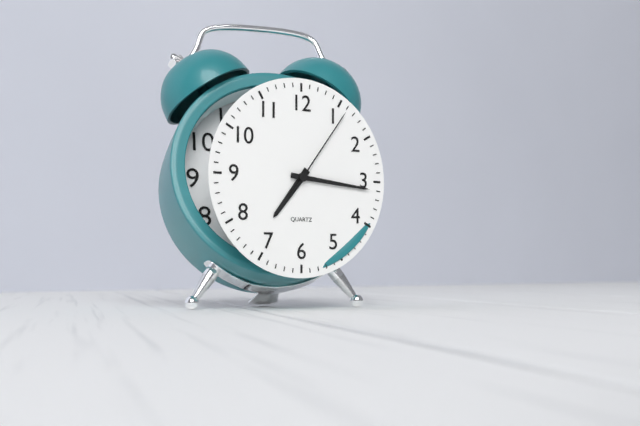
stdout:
7:16:06
